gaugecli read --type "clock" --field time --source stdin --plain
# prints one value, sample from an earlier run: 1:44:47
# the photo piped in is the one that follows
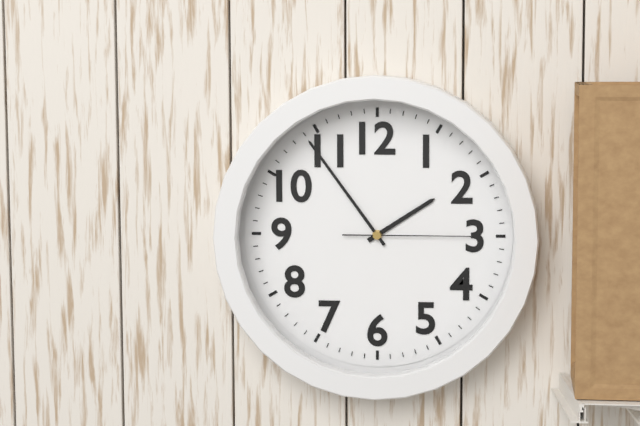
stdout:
1:54:15
